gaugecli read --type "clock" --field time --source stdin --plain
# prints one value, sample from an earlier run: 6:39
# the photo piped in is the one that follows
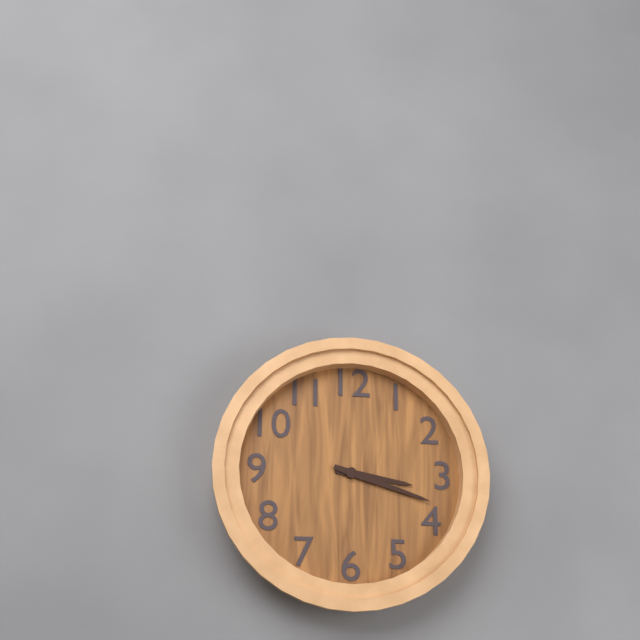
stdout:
3:18
